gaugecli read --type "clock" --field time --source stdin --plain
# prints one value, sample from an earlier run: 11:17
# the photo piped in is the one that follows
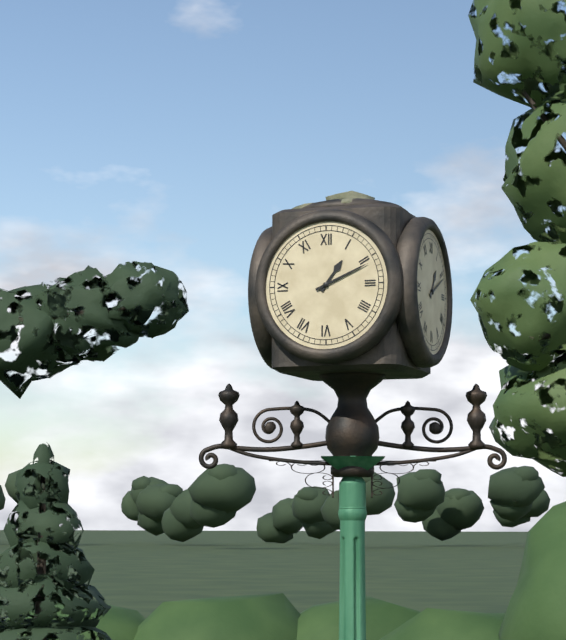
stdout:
1:11
